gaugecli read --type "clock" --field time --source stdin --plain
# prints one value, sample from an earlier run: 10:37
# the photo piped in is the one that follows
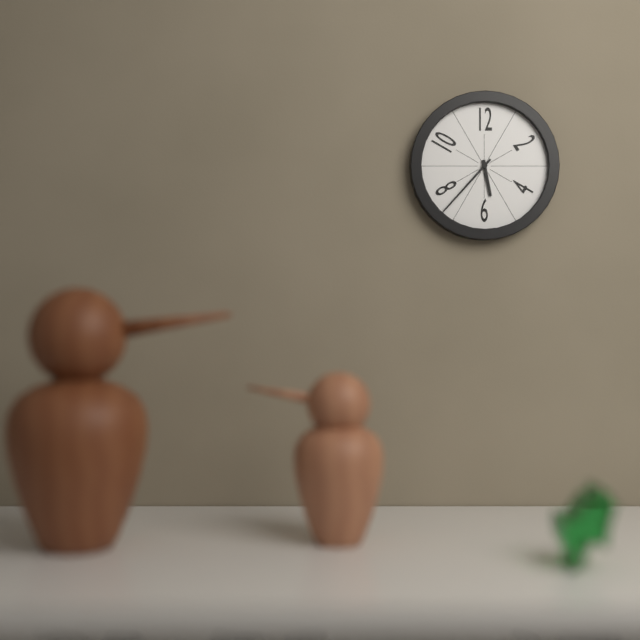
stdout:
5:37
